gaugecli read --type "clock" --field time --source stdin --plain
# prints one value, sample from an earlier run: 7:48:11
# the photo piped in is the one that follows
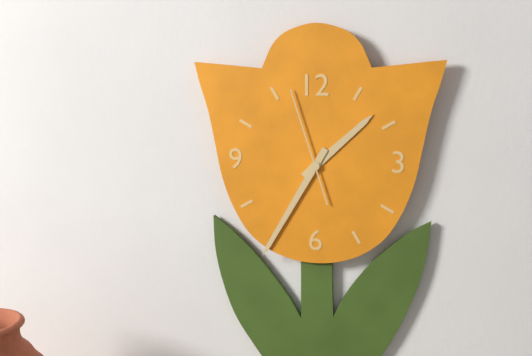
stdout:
1:35:57
